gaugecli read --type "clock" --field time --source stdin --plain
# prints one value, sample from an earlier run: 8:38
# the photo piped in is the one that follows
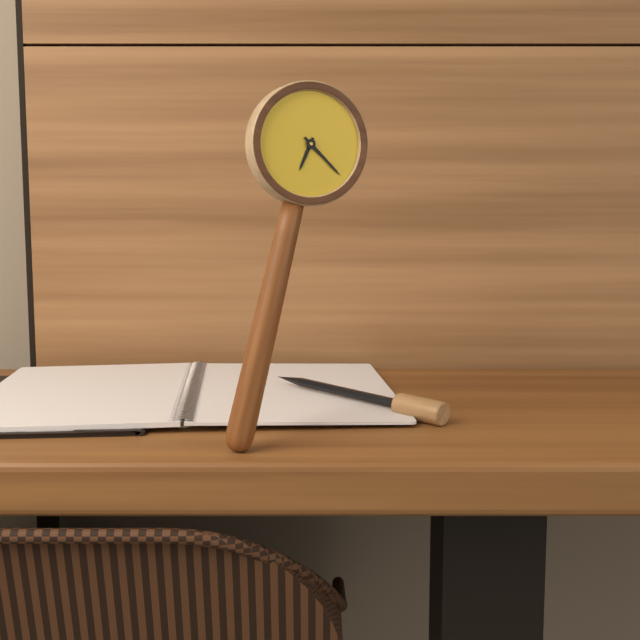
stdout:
6:20
